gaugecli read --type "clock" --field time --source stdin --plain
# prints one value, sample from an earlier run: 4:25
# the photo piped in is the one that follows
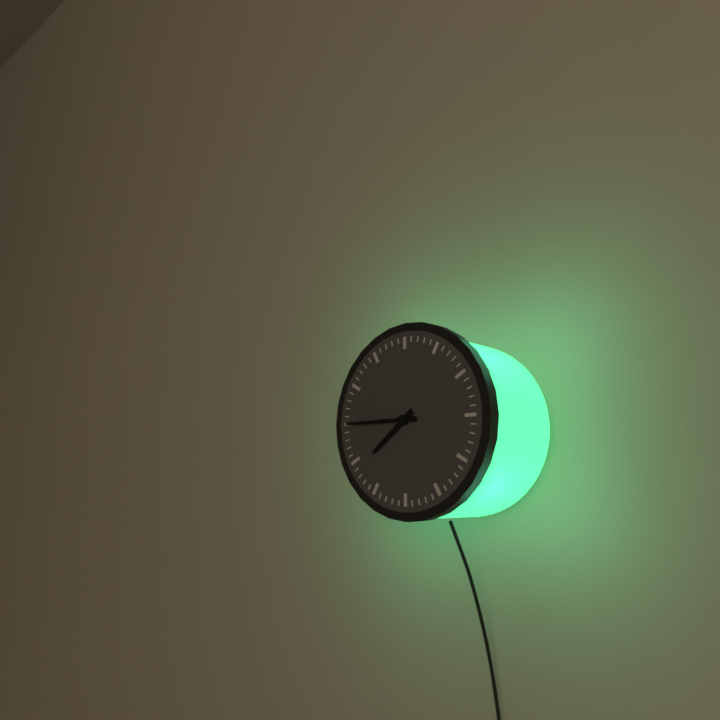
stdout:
7:45
